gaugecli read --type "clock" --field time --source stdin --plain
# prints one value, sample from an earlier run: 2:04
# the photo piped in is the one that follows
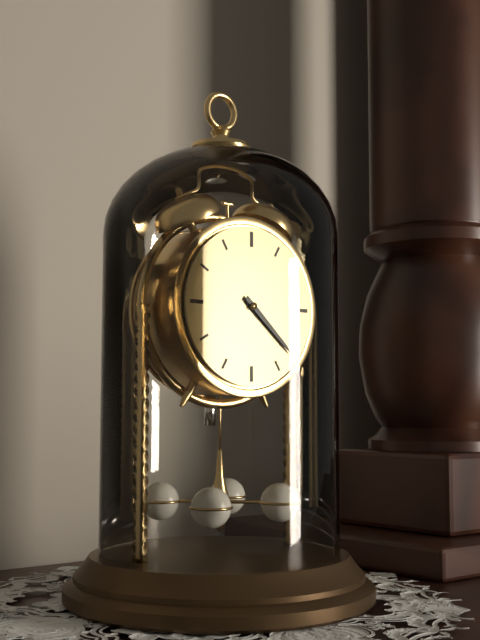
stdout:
4:22
